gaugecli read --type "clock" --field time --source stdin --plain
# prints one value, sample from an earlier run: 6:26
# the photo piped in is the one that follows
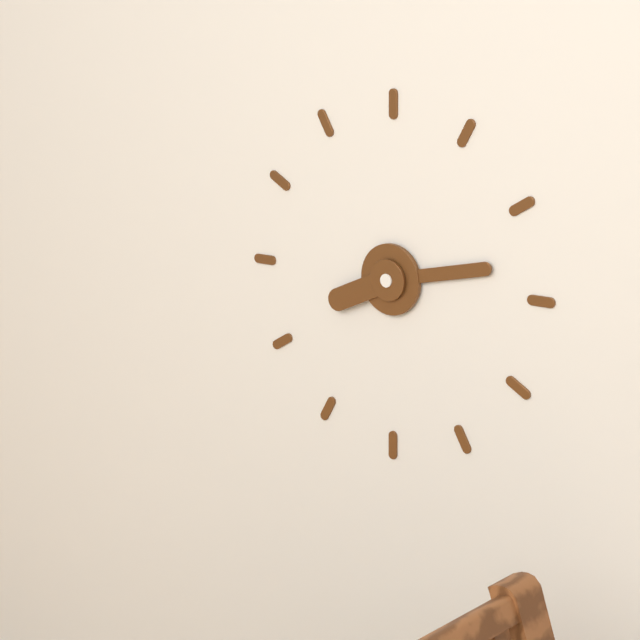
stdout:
8:13
